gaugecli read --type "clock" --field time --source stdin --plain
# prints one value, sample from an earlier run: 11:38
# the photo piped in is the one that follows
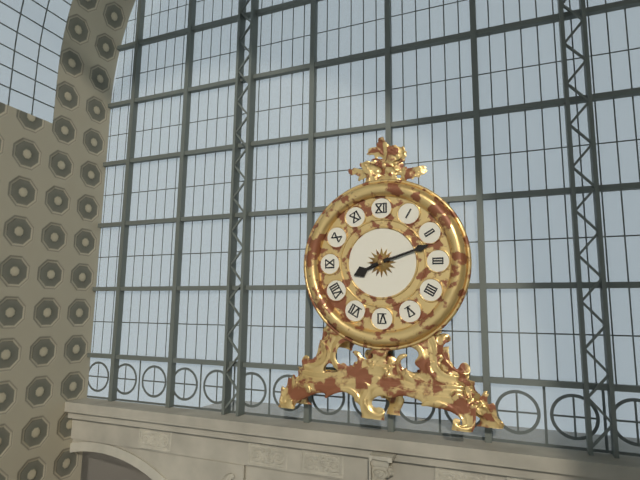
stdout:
8:12
